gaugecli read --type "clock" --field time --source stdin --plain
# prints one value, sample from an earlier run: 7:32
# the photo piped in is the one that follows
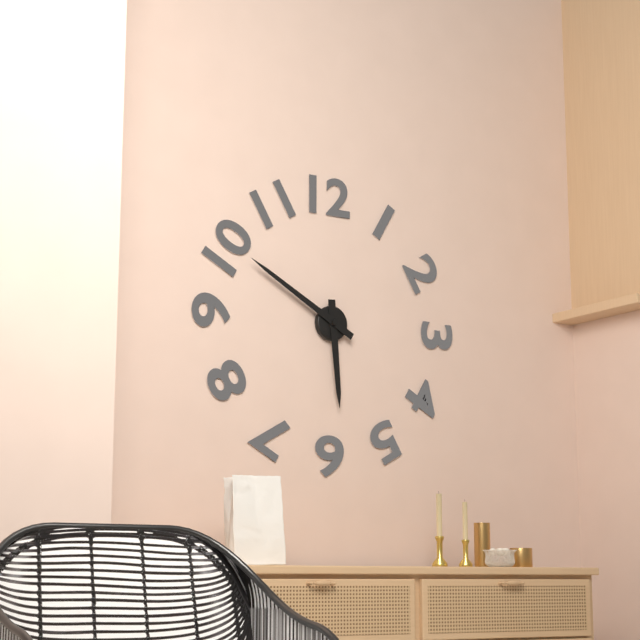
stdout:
5:50
